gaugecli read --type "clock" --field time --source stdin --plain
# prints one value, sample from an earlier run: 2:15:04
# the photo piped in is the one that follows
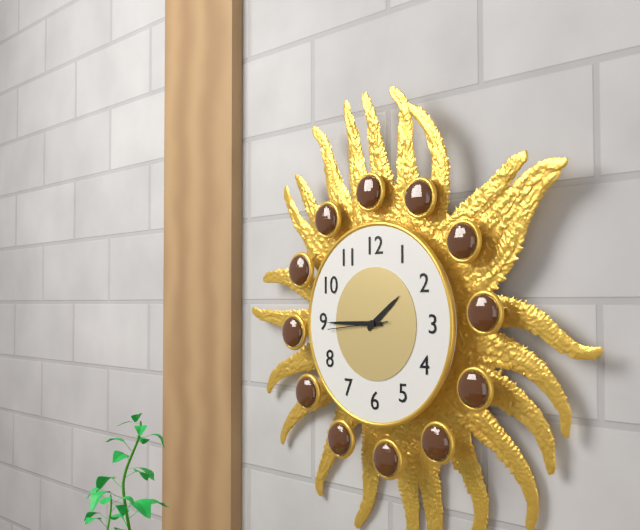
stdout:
1:45:44
